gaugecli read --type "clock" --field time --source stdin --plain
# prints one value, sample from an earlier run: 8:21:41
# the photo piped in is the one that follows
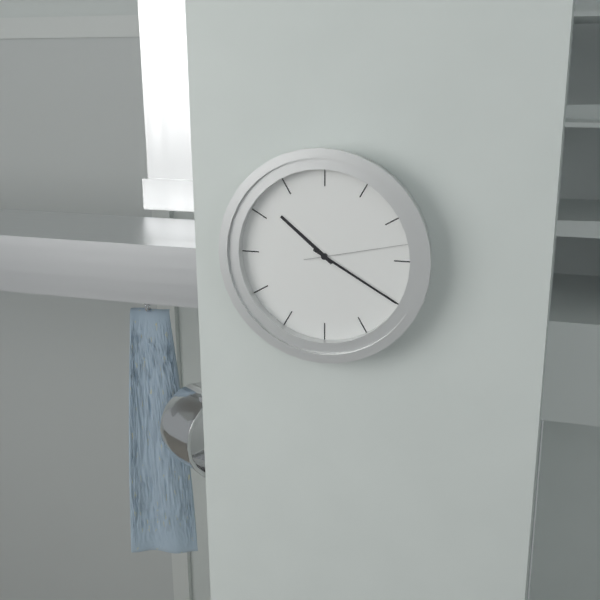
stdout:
10:20:13
